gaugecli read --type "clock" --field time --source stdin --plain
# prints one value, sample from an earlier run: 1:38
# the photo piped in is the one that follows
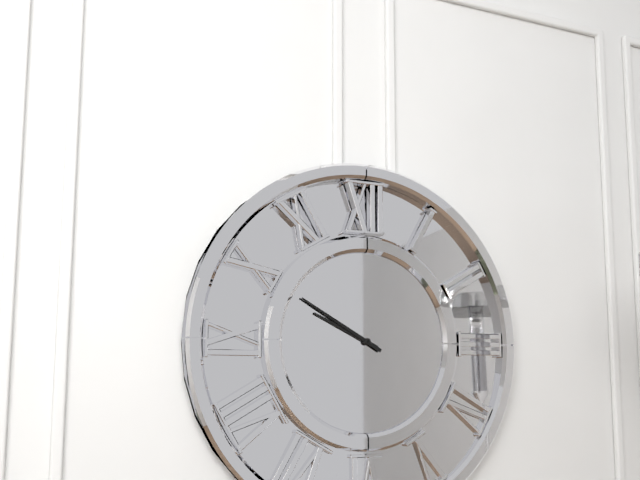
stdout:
9:50
